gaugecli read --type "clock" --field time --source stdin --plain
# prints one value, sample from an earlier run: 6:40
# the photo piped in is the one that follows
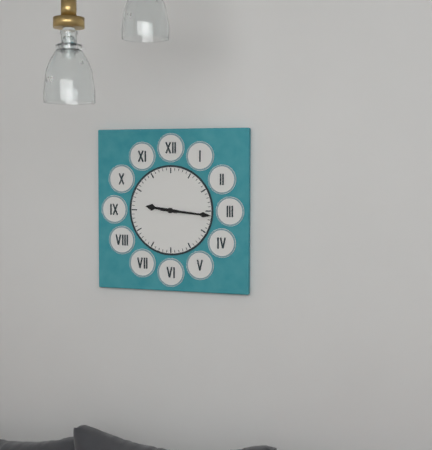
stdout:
9:16
